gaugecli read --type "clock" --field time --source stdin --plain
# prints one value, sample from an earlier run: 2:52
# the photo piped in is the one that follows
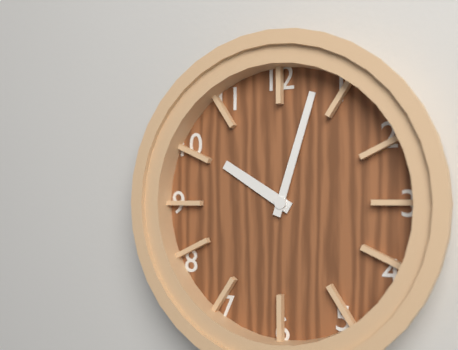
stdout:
10:03
